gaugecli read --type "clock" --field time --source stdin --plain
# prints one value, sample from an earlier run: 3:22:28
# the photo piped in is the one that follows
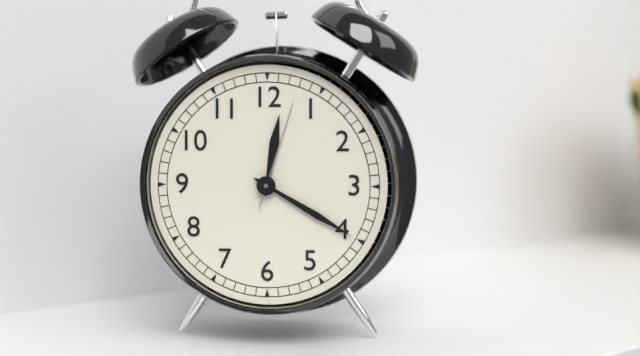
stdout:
12:20:03
